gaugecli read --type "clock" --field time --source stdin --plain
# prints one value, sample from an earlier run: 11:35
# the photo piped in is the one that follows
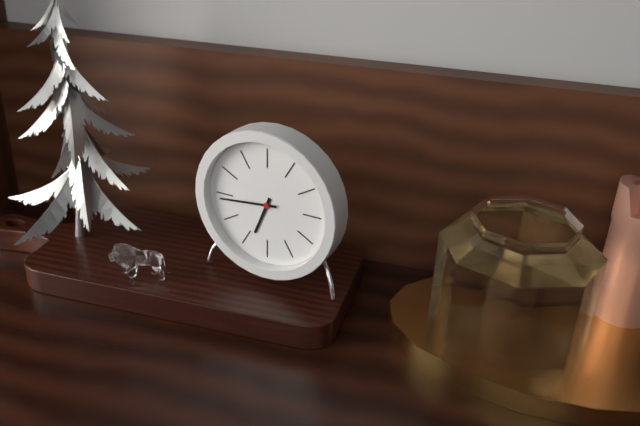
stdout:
6:44
